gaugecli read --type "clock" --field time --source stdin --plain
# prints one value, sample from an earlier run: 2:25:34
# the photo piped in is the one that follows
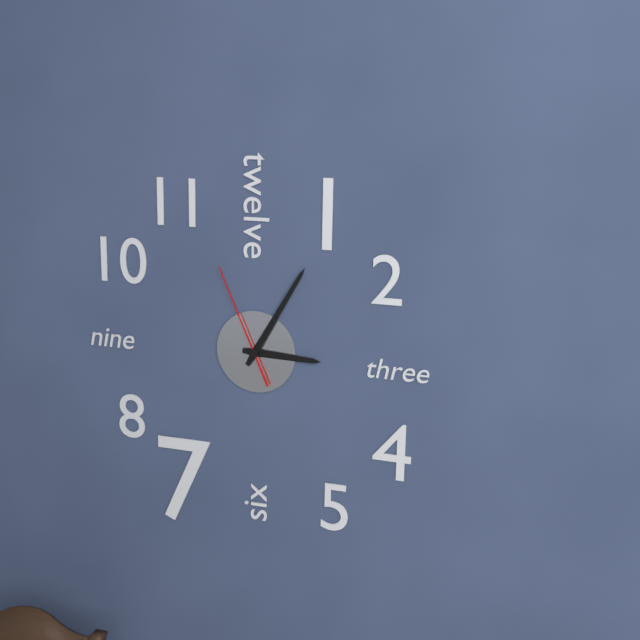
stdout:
3:05:56
